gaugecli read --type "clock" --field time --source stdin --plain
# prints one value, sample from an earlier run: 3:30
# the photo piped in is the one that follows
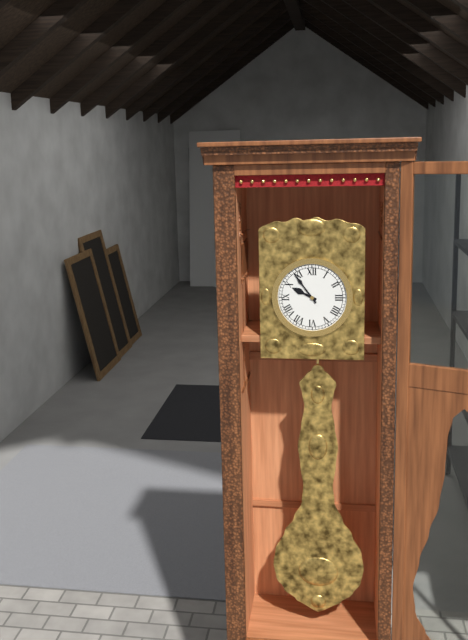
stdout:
9:54
